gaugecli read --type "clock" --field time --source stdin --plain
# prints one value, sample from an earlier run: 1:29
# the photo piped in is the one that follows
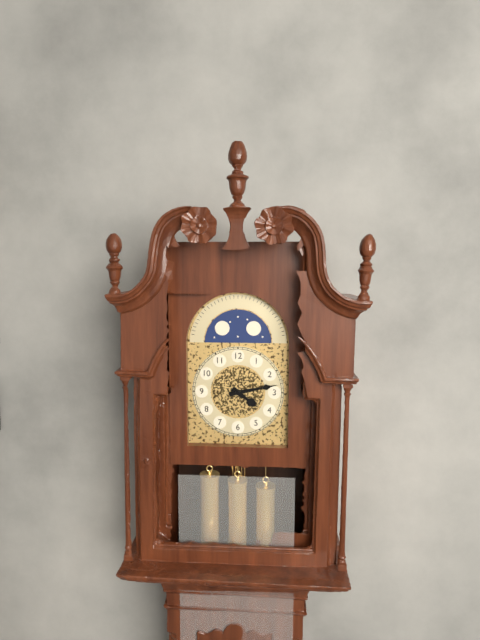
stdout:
4:13
